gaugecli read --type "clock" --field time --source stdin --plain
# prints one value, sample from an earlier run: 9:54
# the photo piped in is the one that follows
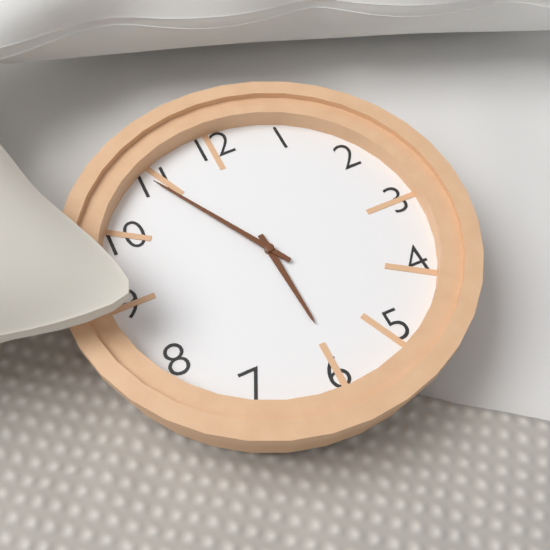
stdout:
5:55
